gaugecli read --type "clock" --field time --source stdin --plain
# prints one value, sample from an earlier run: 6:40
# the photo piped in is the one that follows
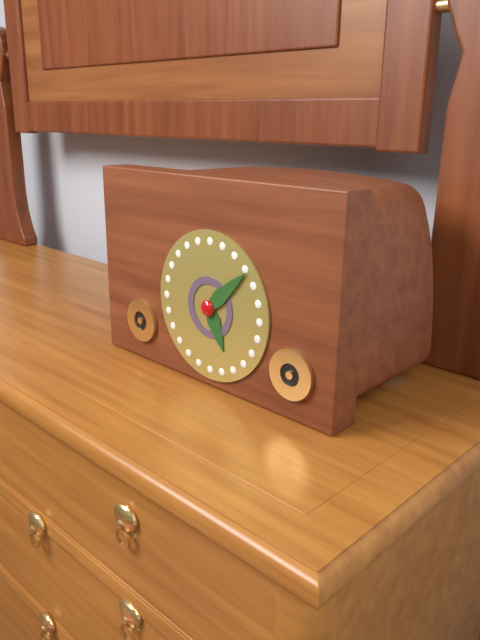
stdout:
5:08
